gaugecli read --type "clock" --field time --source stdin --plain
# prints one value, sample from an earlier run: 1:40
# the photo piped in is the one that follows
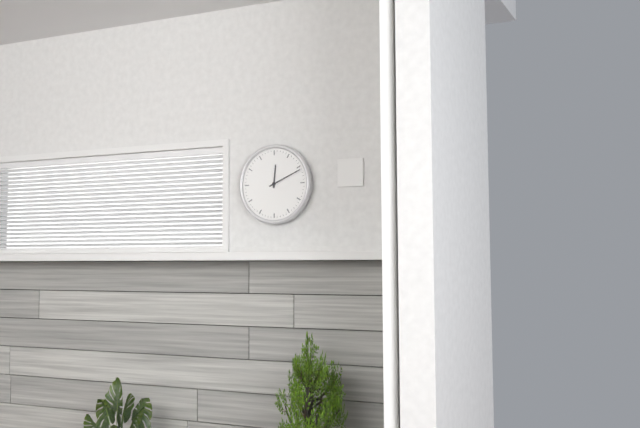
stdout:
12:11
